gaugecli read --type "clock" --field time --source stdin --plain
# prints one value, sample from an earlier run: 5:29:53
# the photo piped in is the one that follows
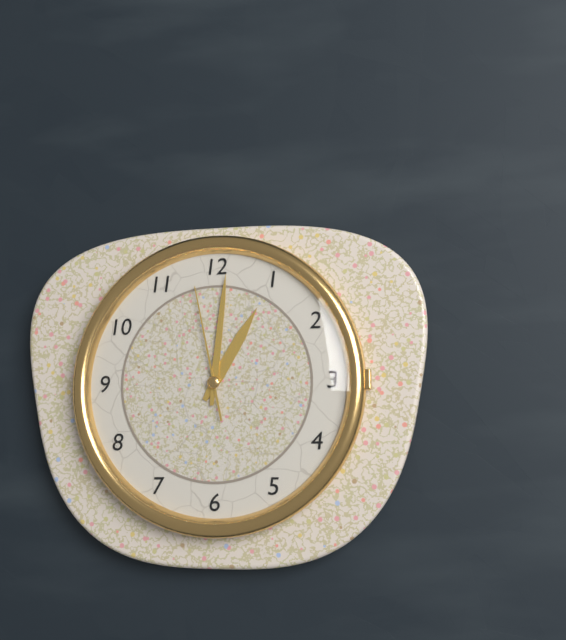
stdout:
1:01:58
